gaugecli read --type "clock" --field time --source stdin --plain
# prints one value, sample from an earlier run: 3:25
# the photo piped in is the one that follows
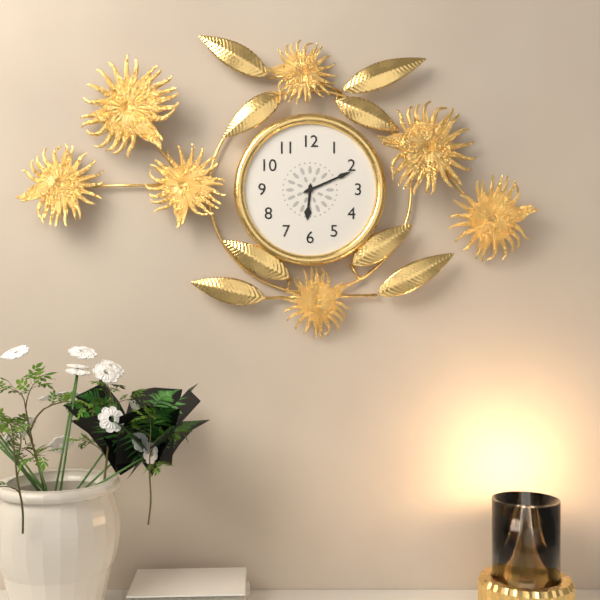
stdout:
6:11
